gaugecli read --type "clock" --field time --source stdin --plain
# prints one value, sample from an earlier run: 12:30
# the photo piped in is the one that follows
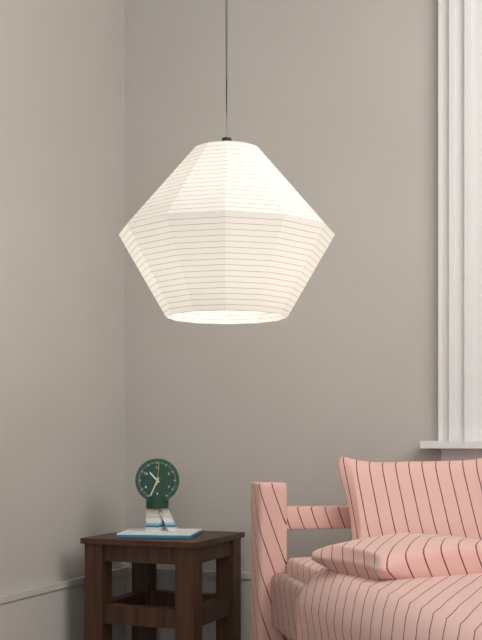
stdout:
10:34
